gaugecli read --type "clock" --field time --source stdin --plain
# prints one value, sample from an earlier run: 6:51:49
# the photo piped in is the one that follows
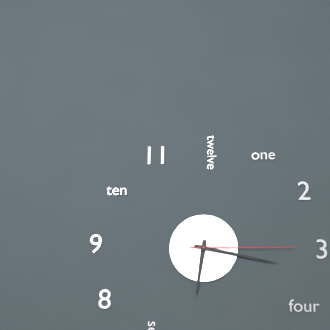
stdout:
6:17:15
